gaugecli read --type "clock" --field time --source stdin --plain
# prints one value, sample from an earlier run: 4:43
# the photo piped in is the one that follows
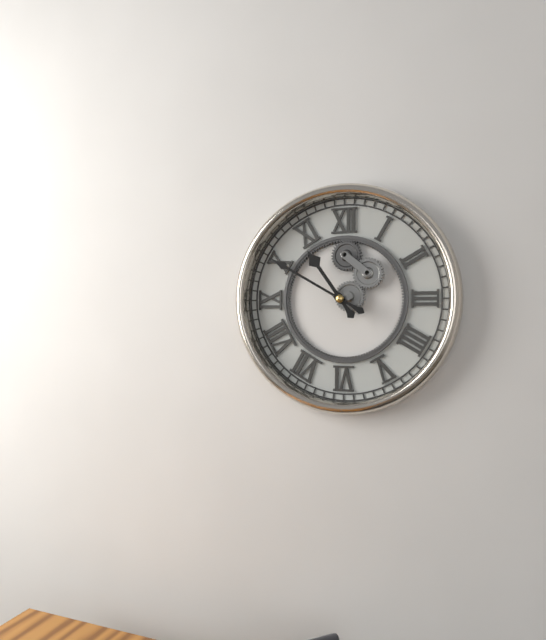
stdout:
10:50
